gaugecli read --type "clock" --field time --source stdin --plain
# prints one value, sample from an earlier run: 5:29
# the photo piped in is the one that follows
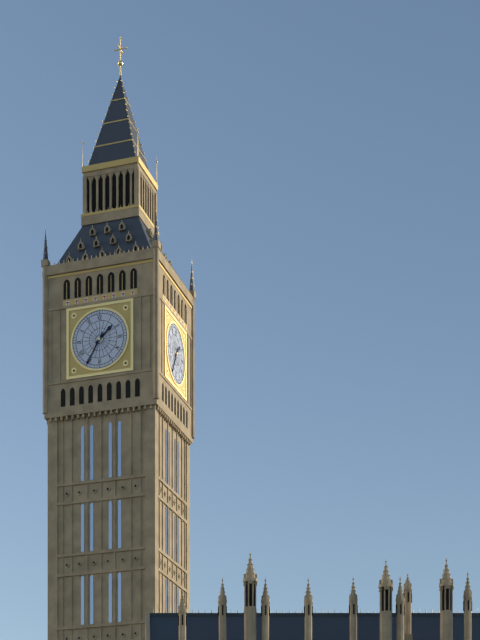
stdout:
1:35
